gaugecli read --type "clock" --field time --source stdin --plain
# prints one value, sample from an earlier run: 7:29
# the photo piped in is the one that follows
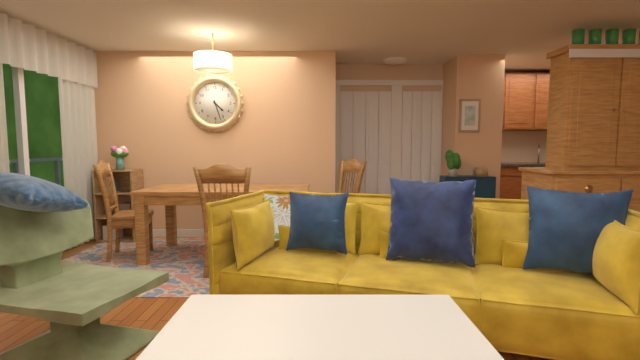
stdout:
4:27
